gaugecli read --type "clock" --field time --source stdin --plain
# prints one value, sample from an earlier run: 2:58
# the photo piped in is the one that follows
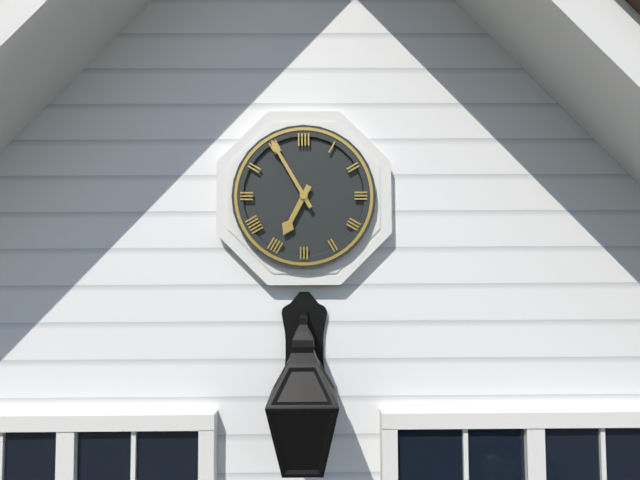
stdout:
6:55
